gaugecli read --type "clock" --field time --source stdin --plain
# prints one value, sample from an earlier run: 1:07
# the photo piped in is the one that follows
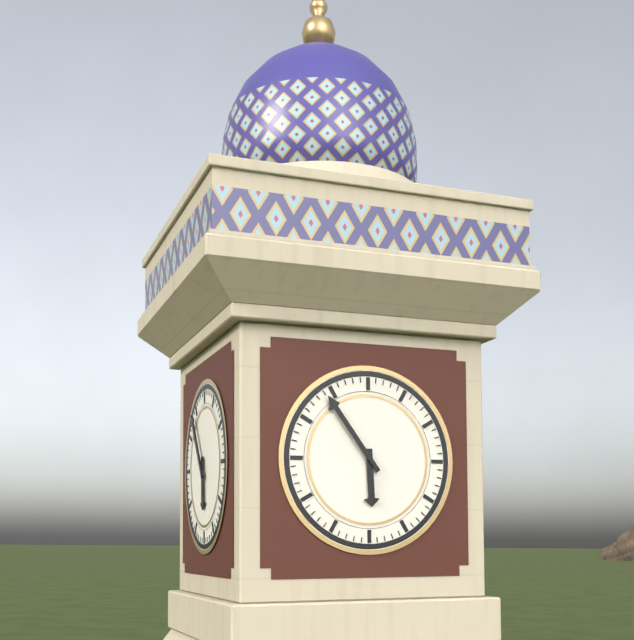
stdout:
5:54
